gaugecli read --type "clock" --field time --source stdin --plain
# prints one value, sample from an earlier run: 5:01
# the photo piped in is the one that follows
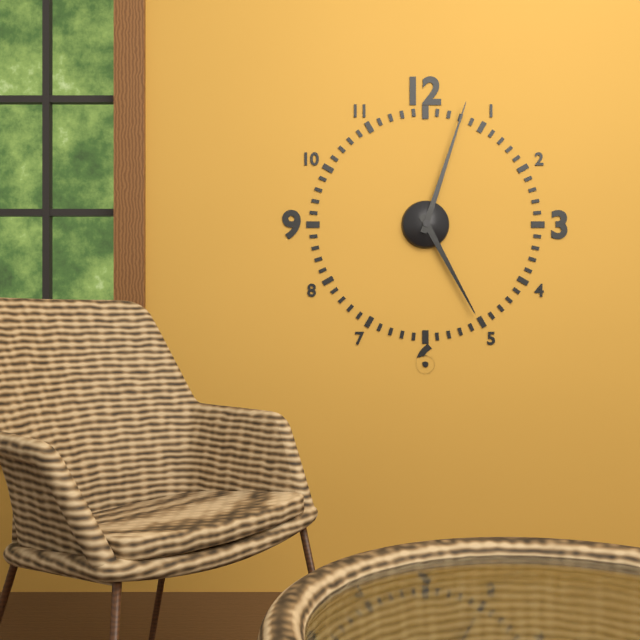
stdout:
5:03
